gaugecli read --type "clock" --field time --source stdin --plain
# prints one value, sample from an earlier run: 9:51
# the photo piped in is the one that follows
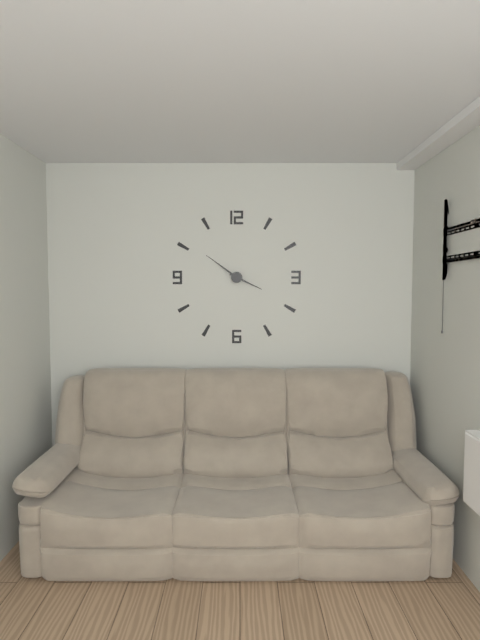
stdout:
3:51
